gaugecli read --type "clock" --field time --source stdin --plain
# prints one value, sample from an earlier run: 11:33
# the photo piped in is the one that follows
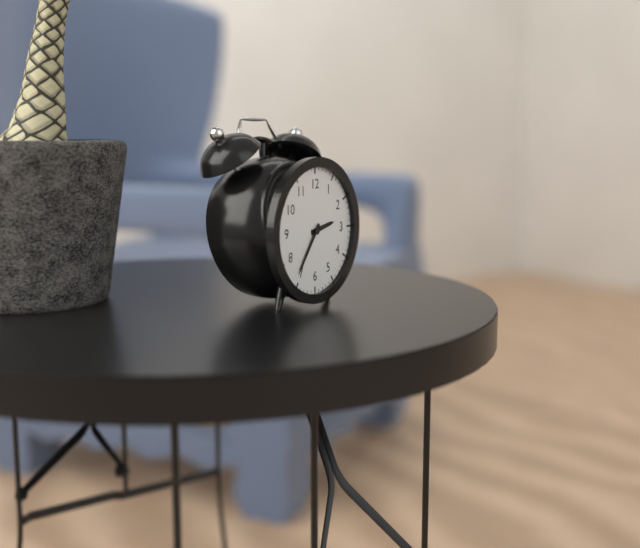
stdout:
2:36
